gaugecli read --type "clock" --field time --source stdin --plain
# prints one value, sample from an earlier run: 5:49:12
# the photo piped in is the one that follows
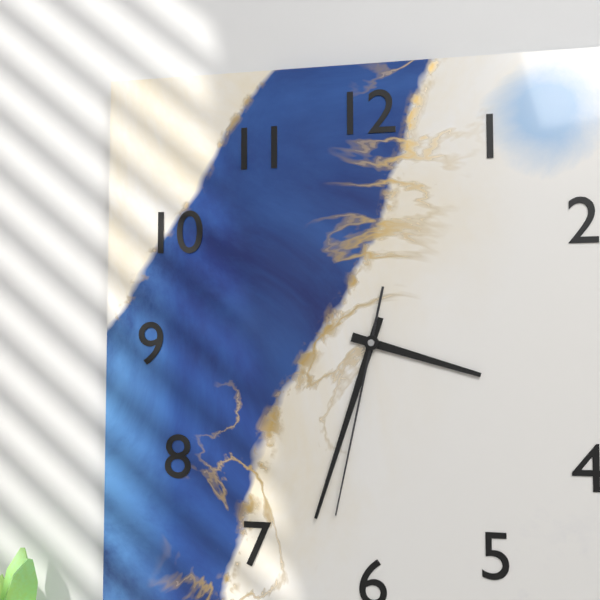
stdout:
3:33:32
